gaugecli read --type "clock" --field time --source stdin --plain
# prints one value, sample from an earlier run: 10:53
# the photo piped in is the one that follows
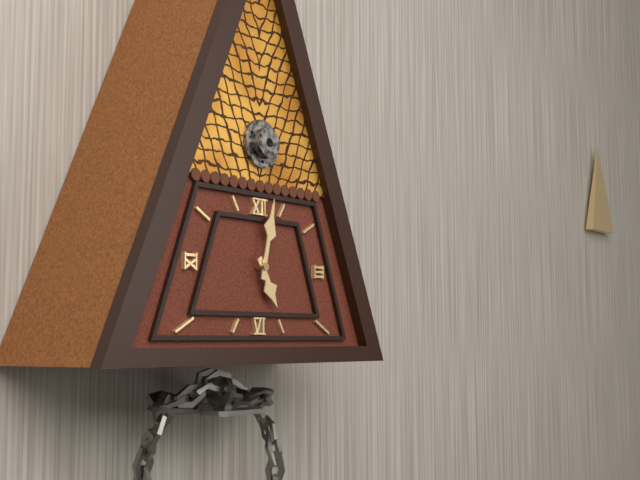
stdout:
5:02
